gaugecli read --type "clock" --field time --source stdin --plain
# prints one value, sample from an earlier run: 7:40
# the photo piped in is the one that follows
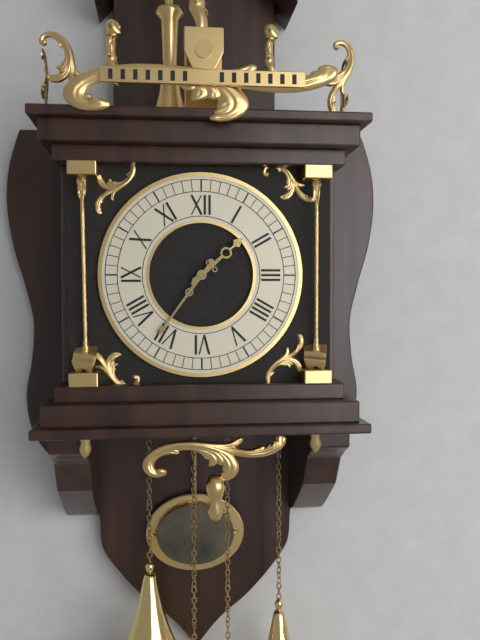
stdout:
1:36
